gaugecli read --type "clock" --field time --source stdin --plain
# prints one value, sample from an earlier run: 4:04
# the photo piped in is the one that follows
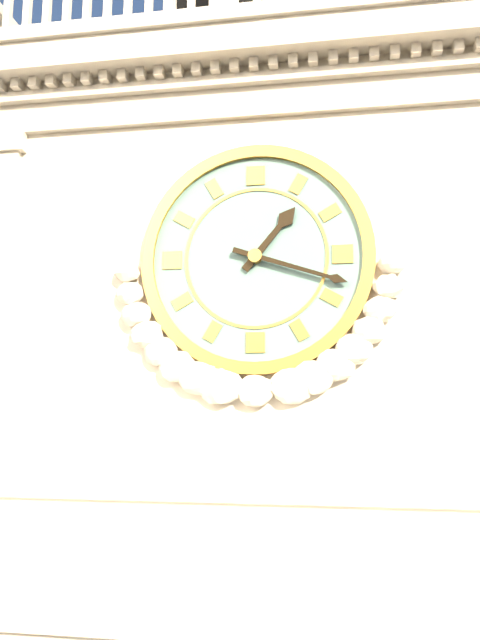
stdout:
1:18
